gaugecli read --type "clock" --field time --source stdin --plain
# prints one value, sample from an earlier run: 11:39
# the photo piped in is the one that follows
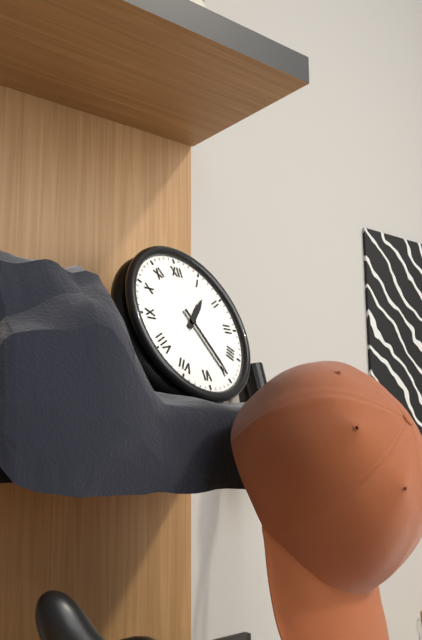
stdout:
1:25
